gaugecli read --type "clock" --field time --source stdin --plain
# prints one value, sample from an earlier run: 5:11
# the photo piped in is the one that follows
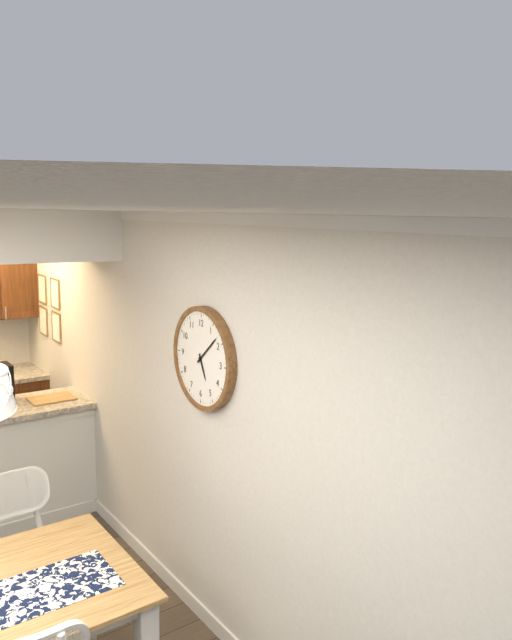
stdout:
5:08
